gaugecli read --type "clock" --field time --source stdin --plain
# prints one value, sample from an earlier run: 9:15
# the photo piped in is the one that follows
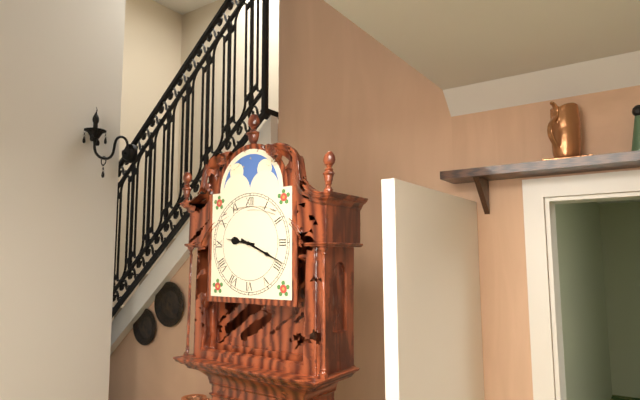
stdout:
9:19
